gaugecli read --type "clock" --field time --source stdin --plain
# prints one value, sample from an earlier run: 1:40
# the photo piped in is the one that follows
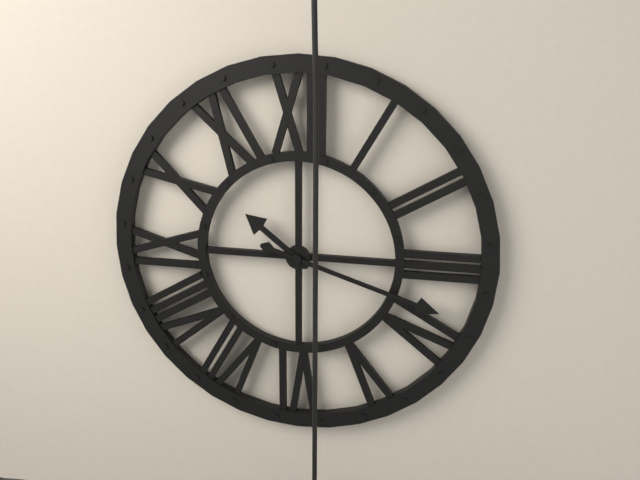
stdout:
10:18
